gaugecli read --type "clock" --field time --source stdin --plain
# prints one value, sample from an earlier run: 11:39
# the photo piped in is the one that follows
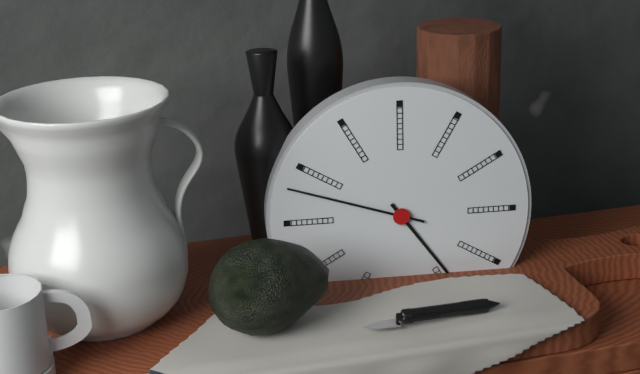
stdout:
4:48
